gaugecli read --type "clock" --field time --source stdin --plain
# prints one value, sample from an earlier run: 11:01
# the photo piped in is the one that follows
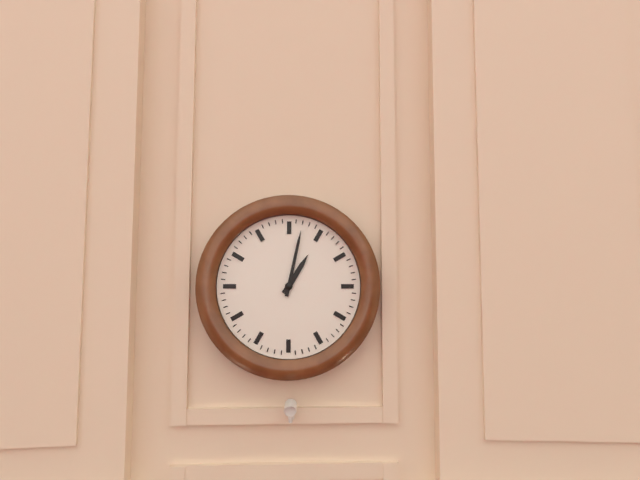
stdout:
1:02
